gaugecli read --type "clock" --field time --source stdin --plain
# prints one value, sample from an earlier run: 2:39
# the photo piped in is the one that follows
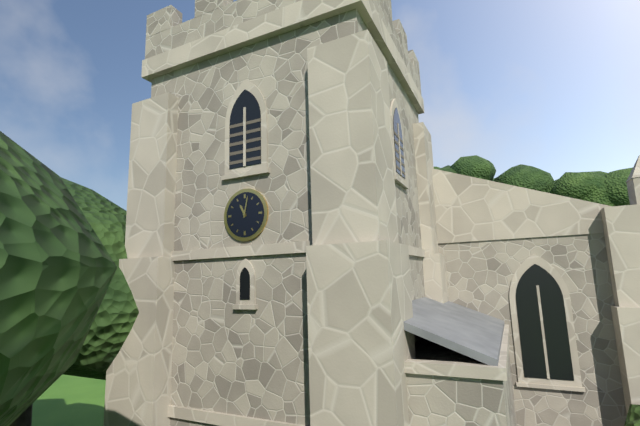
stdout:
11:02
